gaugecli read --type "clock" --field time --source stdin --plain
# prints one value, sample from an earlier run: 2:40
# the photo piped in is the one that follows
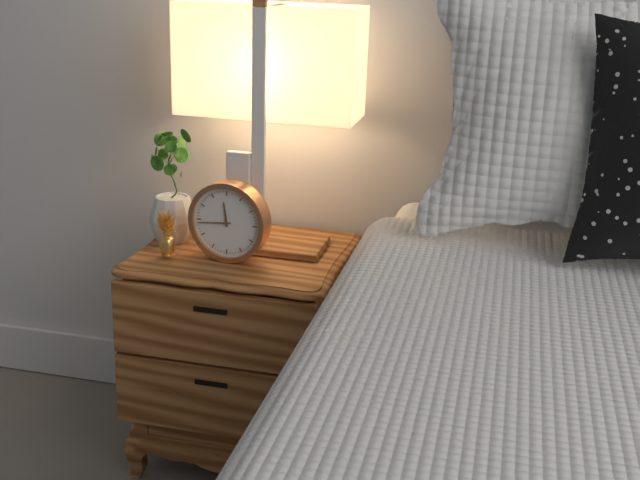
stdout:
11:44
